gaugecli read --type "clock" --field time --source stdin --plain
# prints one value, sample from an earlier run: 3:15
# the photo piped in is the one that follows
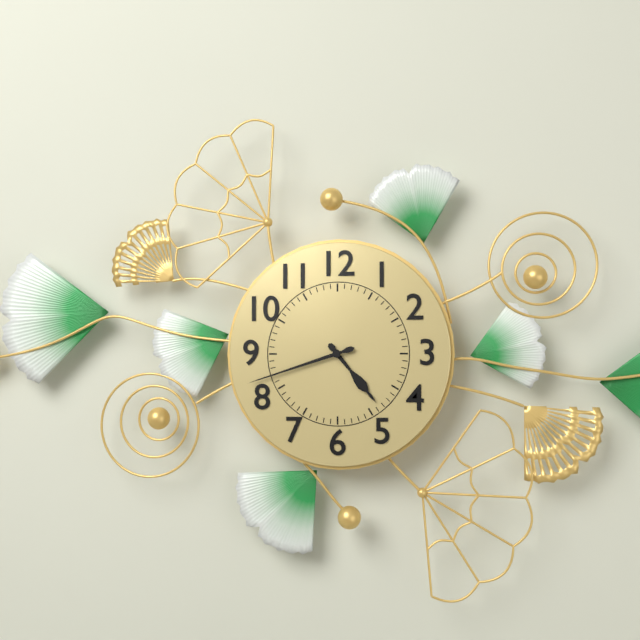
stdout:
4:42
